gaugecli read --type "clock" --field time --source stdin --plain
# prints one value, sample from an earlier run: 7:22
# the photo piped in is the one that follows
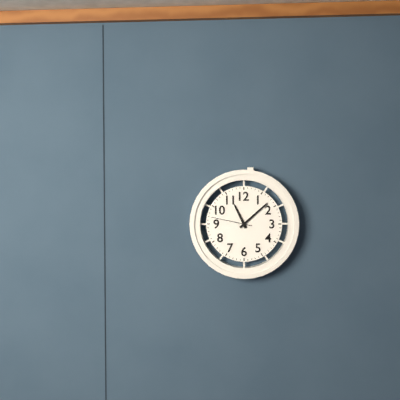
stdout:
11:08
